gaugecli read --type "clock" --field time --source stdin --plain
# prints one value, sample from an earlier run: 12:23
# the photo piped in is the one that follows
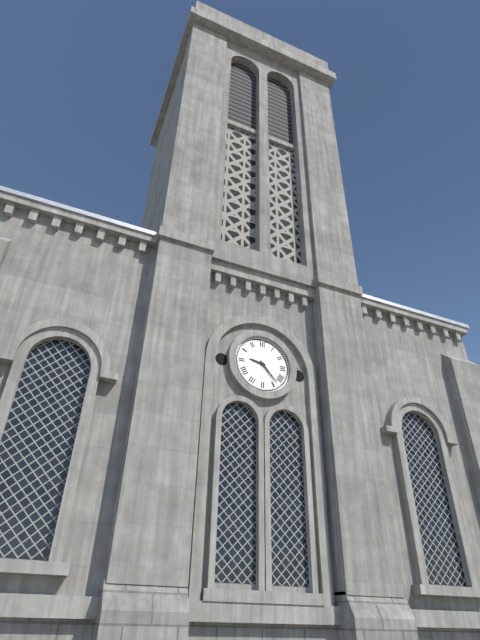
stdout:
9:23
